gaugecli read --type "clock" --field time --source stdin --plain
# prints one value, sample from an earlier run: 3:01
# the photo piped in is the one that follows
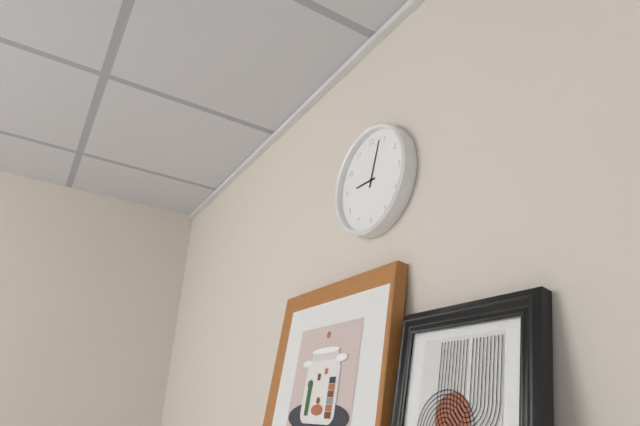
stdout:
9:03
